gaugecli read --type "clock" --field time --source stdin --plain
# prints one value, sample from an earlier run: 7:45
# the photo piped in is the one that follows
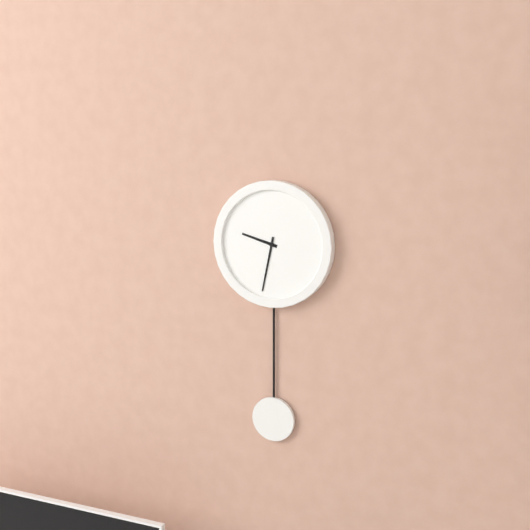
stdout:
9:32
